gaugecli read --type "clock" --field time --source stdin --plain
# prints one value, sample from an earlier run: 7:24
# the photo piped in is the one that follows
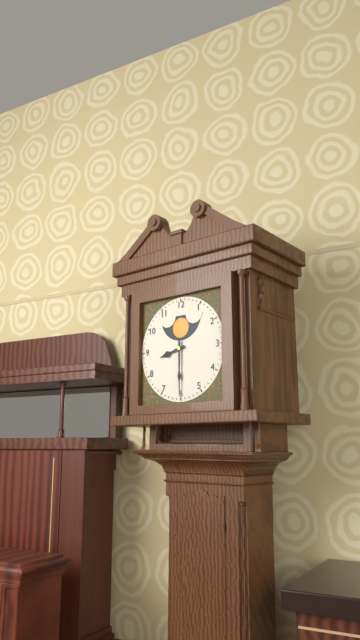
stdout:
8:30
